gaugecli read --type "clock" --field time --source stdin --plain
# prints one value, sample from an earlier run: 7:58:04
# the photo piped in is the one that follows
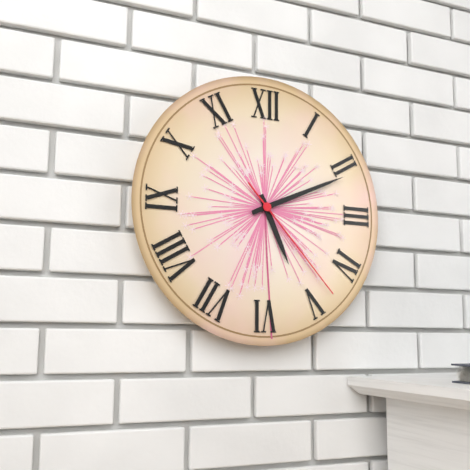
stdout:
5:11:23
